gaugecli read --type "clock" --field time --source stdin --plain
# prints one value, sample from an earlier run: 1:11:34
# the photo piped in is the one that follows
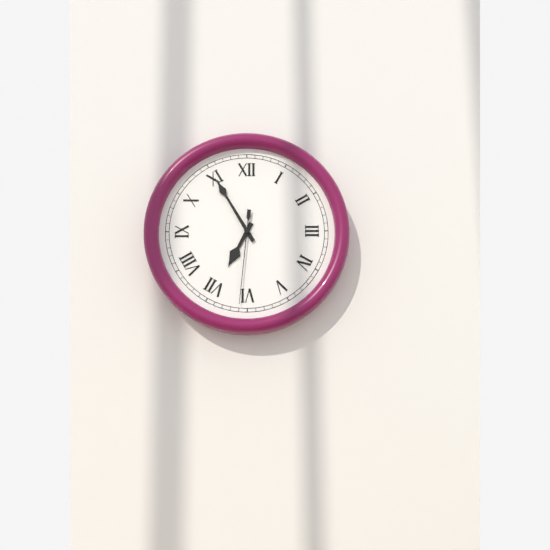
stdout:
6:55:31
